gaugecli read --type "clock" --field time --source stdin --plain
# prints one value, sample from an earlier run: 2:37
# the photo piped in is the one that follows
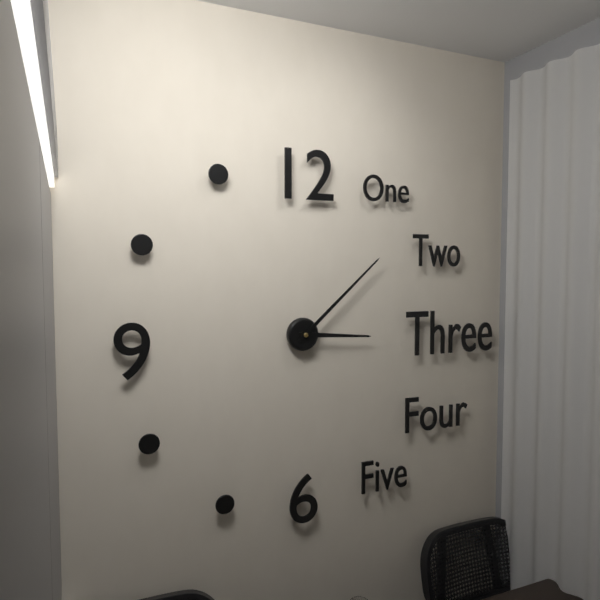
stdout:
3:08
